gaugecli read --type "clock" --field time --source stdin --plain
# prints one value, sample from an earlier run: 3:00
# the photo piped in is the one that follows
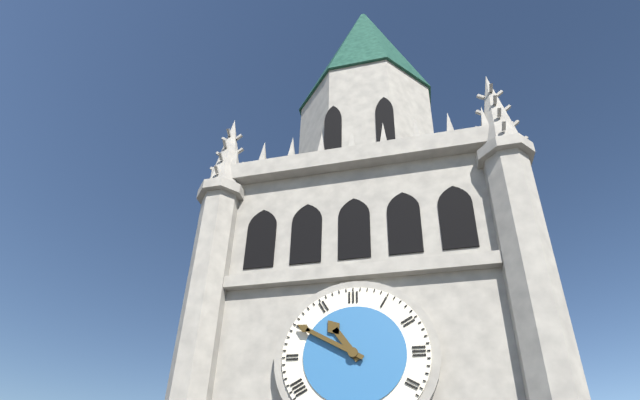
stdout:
10:50
